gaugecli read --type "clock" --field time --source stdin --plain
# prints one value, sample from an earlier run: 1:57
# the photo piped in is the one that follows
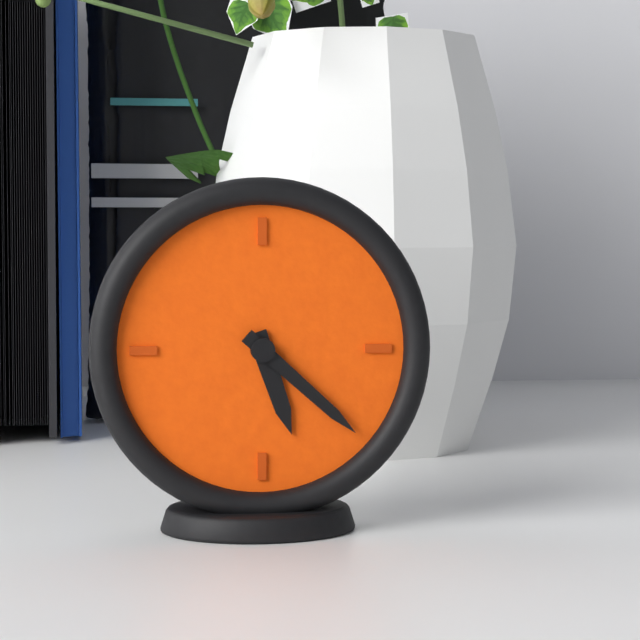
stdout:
5:22
